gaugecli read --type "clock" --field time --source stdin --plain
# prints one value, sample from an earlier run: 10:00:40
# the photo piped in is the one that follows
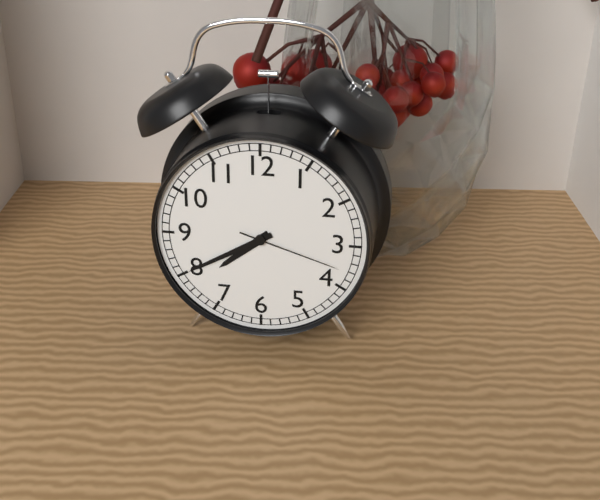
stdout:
7:40:18
